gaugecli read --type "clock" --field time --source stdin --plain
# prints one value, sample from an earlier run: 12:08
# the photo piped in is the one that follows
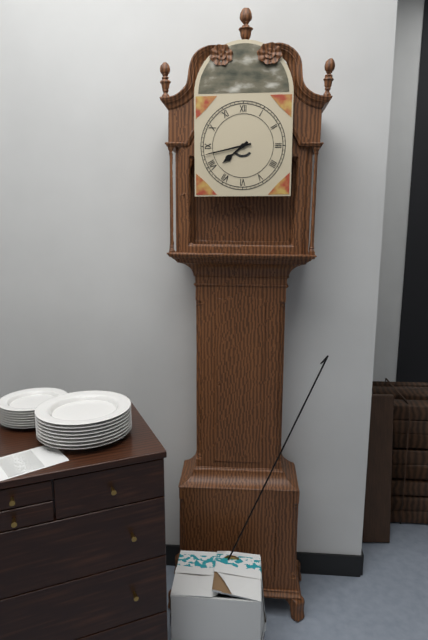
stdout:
7:43
